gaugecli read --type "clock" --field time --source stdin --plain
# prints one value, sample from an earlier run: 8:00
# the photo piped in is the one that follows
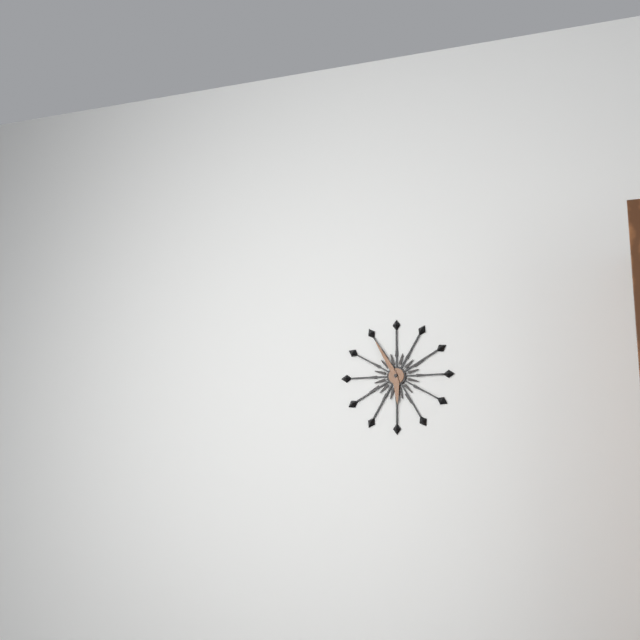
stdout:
5:55
